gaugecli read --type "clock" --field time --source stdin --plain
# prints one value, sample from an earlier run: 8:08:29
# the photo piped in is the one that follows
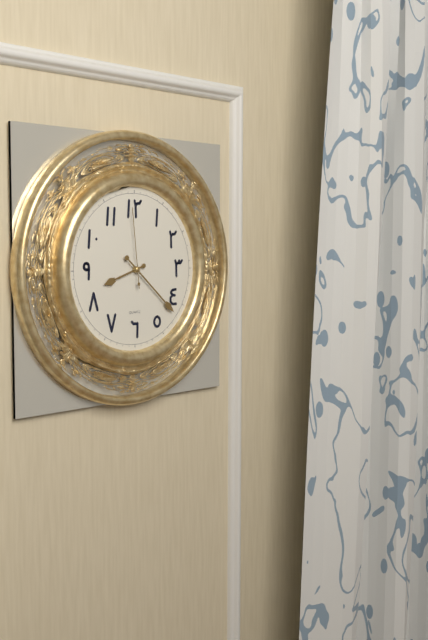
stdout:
8:22:59
